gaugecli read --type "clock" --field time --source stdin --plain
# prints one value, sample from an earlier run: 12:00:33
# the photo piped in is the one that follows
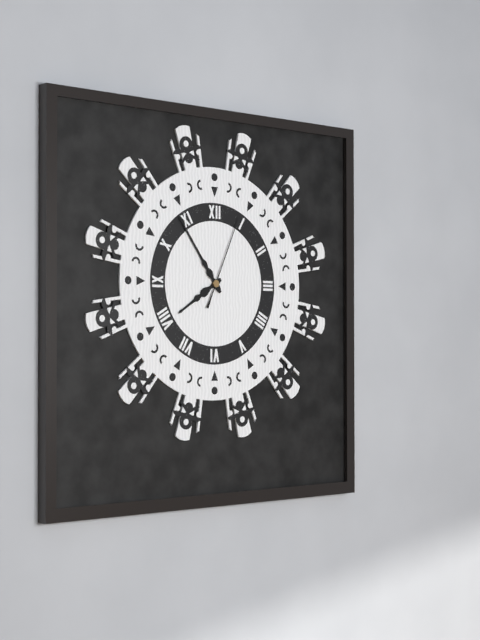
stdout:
7:54:04
